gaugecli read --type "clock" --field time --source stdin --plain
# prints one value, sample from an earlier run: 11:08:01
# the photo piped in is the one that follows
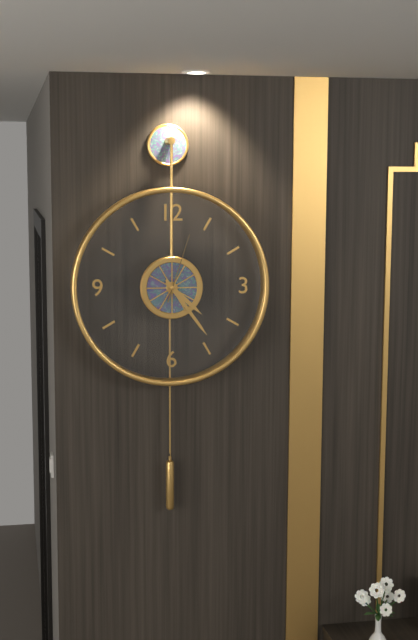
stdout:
4:24:03
